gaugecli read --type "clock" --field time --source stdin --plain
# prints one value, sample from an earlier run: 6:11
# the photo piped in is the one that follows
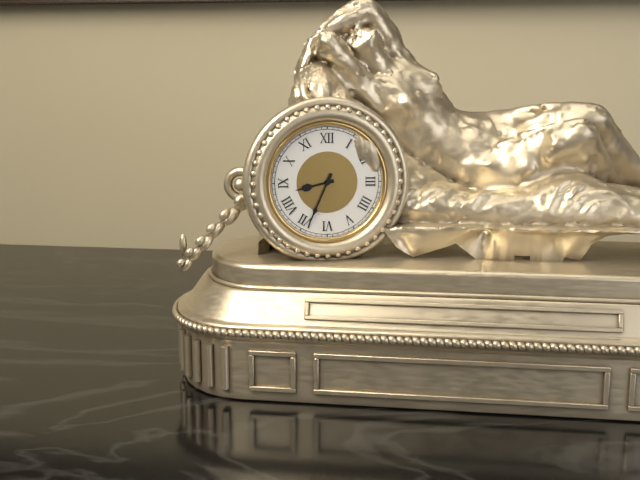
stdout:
8:34
